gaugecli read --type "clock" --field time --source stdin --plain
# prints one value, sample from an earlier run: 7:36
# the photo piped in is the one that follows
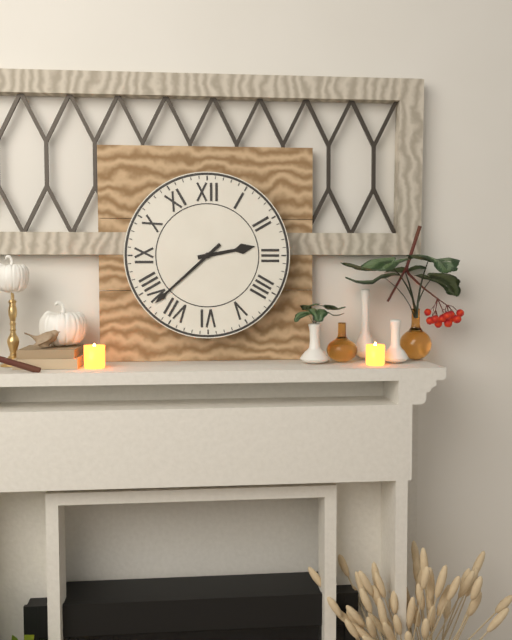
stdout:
2:38
